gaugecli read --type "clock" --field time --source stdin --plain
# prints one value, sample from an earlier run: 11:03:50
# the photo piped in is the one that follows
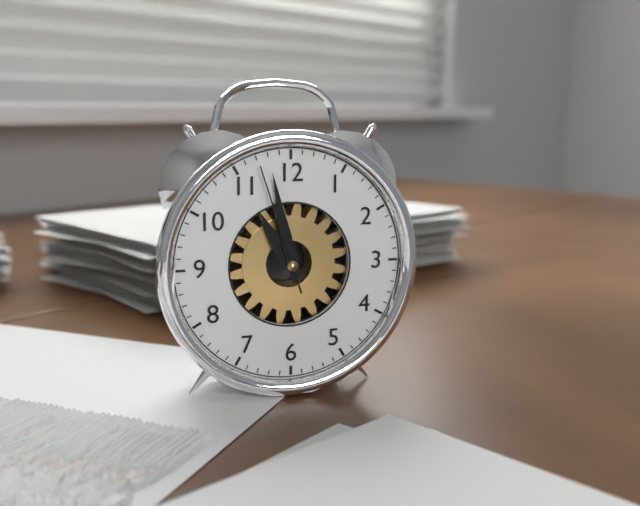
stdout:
10:58:57
